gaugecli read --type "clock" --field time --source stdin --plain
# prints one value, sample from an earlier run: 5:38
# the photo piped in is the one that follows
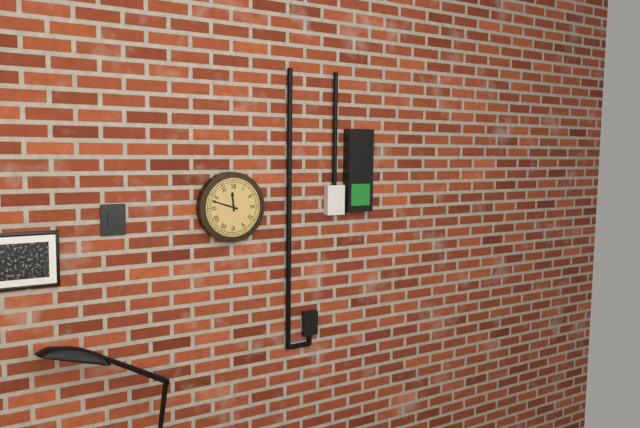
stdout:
11:48
